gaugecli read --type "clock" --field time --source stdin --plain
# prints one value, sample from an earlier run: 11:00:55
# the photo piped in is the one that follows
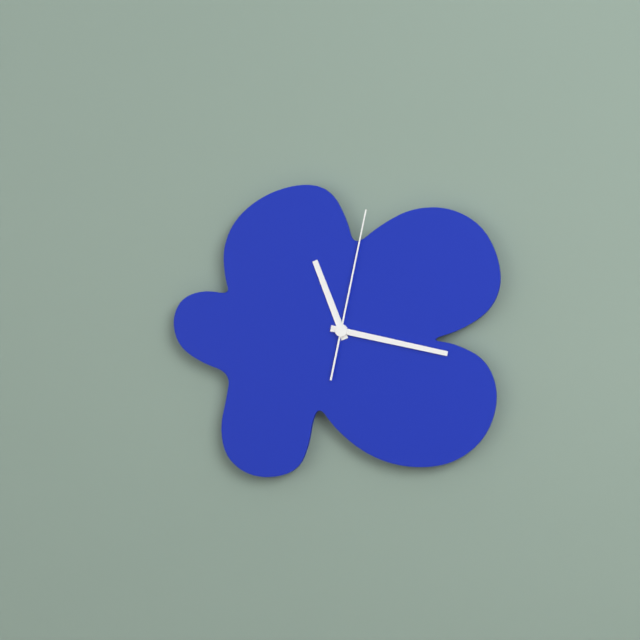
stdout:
11:17:02
